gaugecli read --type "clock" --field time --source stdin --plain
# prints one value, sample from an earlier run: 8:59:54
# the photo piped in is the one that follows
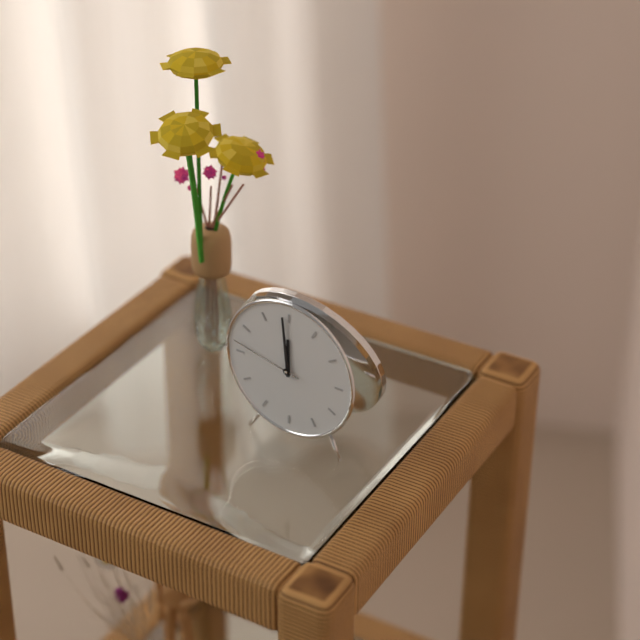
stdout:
11:59:47
